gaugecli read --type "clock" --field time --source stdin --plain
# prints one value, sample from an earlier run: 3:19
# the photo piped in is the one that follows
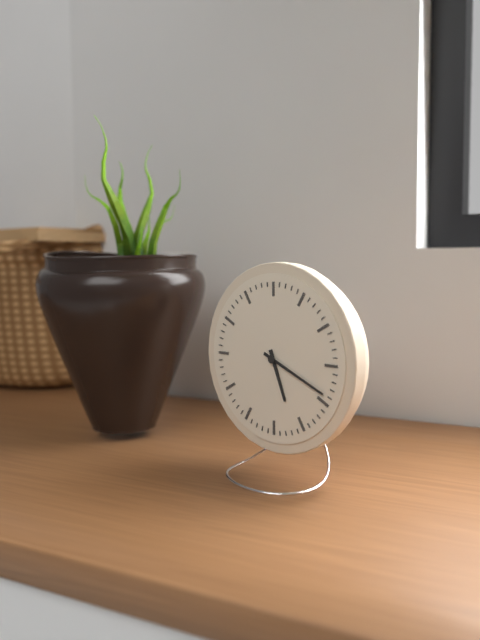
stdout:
5:19
